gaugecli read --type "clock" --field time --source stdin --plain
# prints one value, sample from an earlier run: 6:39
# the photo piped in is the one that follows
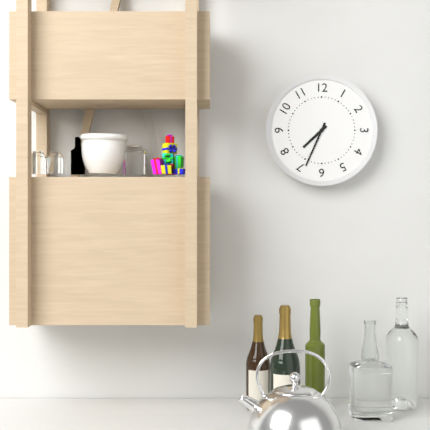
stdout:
7:34
